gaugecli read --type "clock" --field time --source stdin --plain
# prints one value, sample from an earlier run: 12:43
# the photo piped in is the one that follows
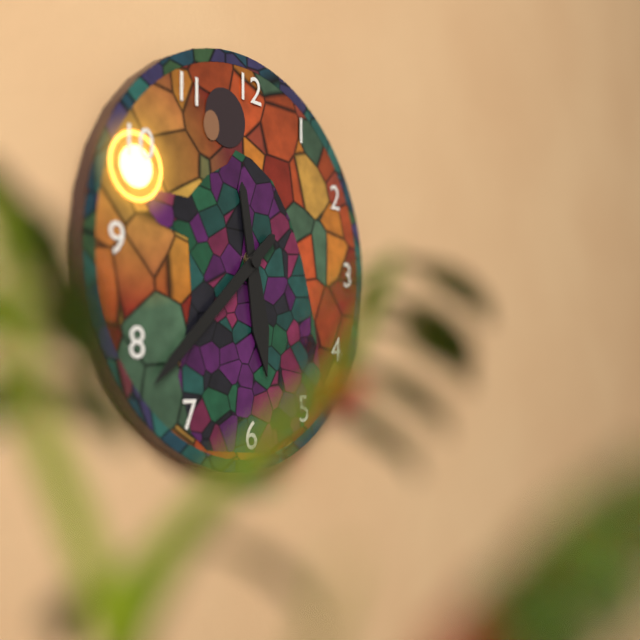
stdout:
5:38
